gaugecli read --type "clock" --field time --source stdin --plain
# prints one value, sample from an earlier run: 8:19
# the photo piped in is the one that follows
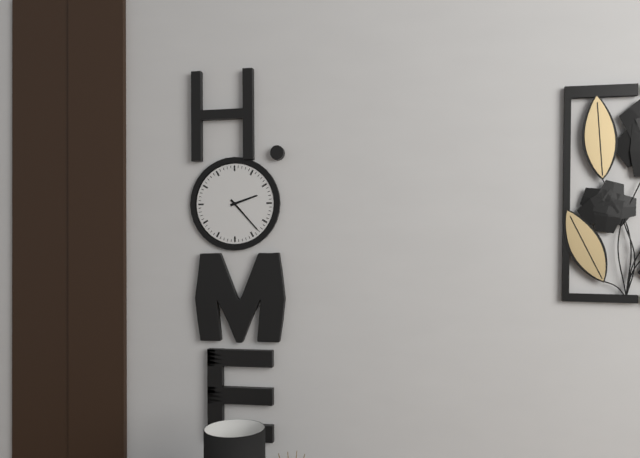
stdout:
2:23
